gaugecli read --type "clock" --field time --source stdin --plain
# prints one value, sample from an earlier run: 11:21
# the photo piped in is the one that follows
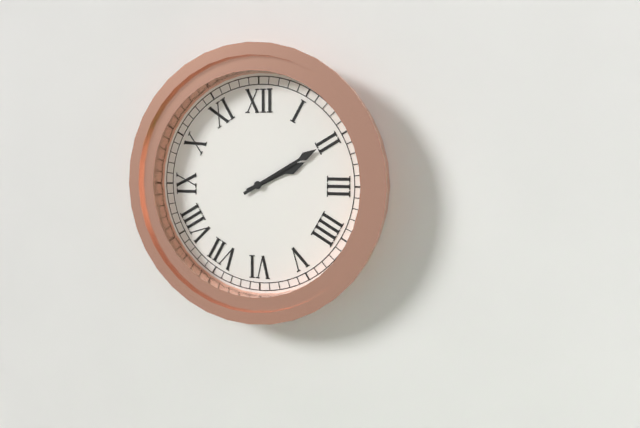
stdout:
2:10
